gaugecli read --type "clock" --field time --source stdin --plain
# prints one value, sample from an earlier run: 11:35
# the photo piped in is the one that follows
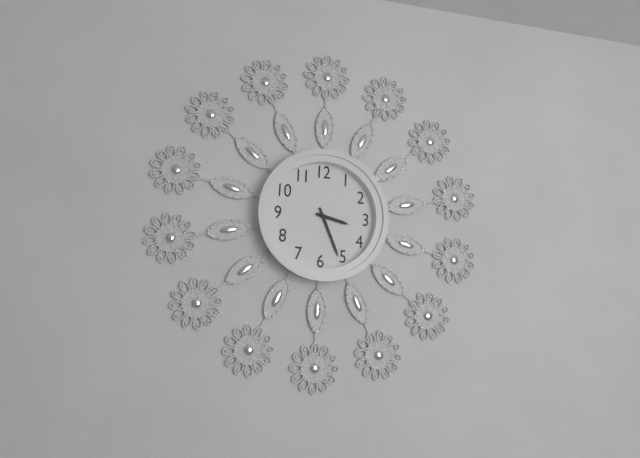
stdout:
3:26
